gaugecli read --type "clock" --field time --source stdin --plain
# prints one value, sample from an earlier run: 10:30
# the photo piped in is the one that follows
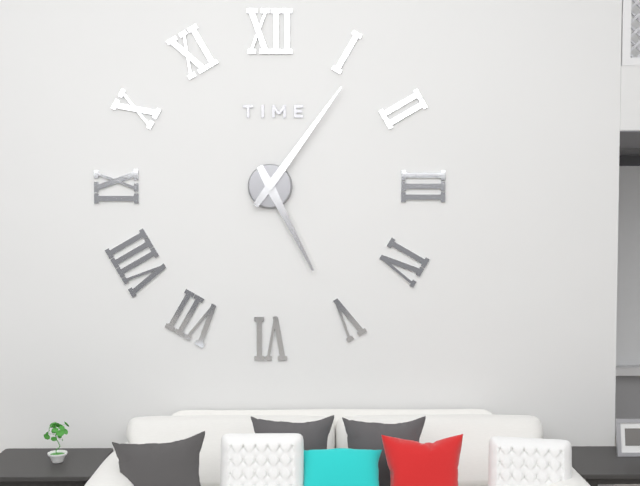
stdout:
5:06
